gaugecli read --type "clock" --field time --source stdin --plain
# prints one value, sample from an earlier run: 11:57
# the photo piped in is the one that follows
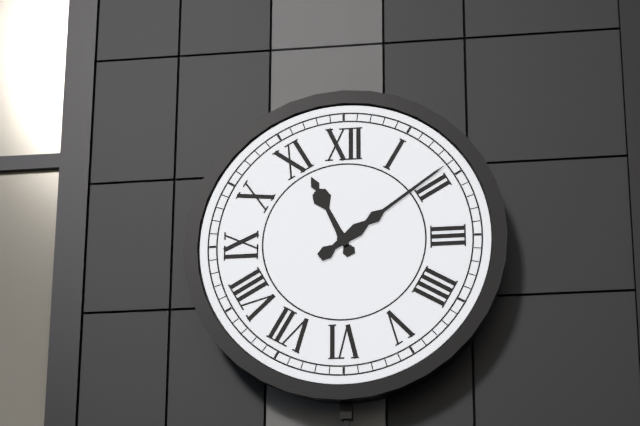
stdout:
11:09
